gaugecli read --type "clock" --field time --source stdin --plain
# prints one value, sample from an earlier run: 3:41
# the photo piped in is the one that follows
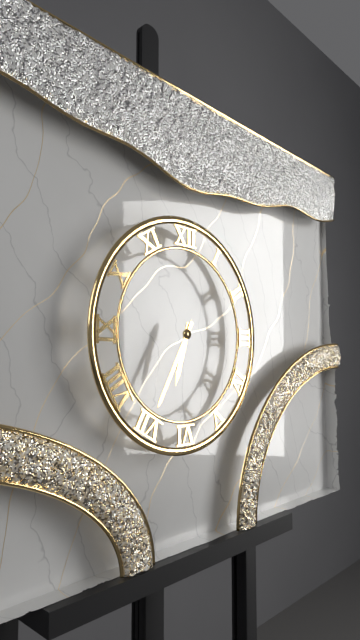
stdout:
6:35
